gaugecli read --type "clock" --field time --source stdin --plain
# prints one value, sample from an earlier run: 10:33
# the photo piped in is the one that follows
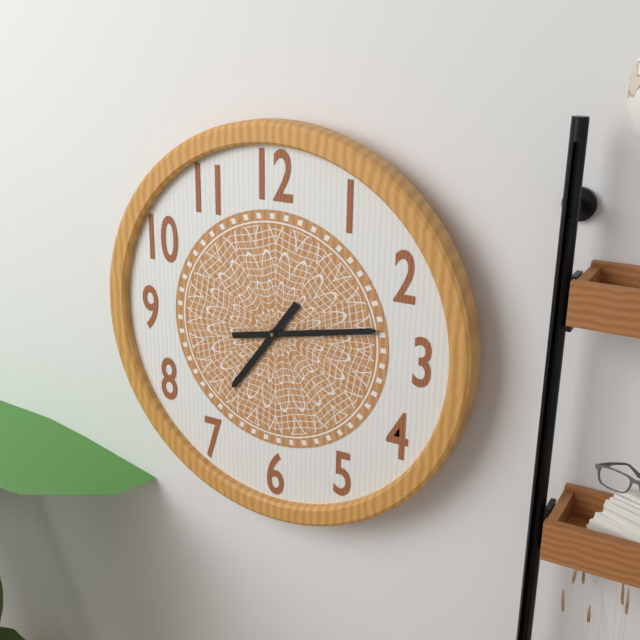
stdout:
7:13
